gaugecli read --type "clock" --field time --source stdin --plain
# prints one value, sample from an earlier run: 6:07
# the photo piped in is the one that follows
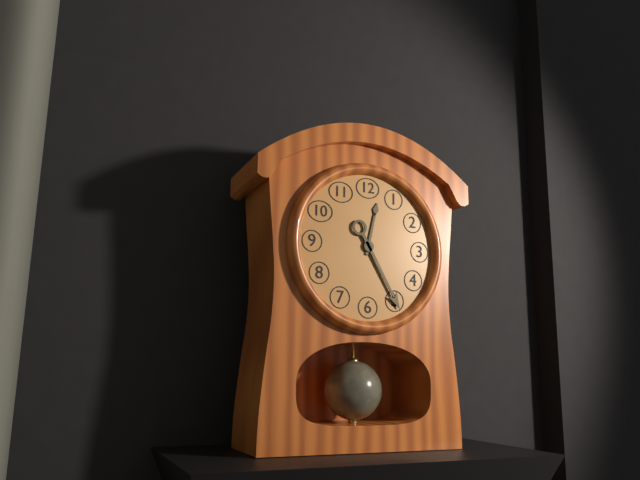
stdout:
12:25
